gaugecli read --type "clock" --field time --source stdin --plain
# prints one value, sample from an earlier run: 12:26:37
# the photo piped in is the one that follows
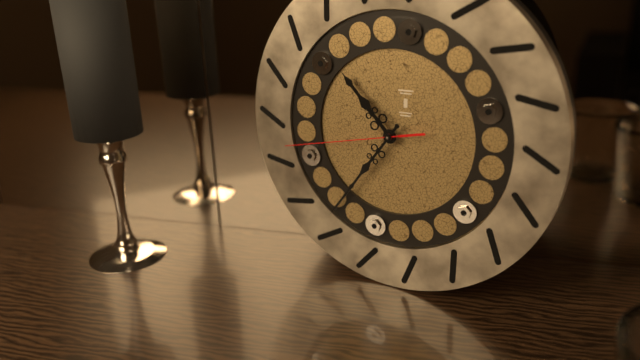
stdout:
10:36:43
